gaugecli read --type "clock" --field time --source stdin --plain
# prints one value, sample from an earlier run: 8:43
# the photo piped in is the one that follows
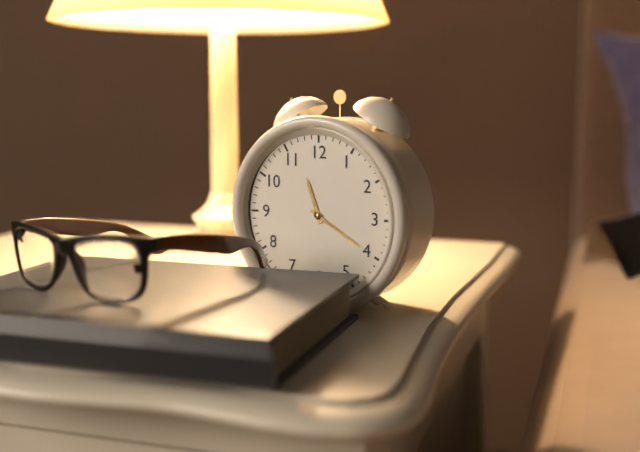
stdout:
11:20
